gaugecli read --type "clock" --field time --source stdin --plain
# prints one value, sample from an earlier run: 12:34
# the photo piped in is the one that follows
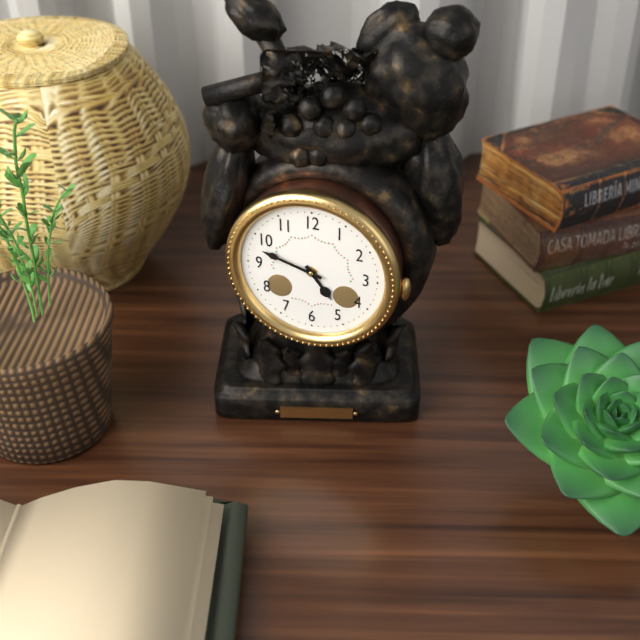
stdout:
4:48
